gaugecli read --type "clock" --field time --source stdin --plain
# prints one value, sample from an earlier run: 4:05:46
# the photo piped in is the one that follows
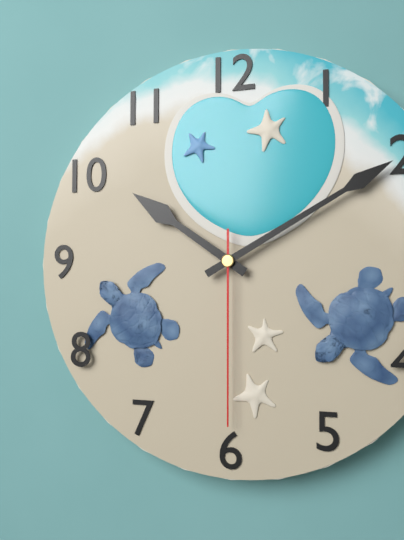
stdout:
10:10:30
